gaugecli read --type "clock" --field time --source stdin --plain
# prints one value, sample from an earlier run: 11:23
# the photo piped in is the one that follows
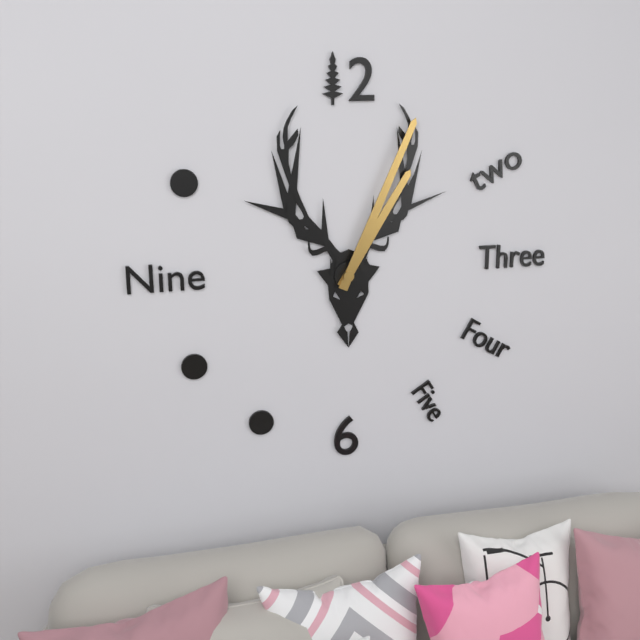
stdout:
1:04
